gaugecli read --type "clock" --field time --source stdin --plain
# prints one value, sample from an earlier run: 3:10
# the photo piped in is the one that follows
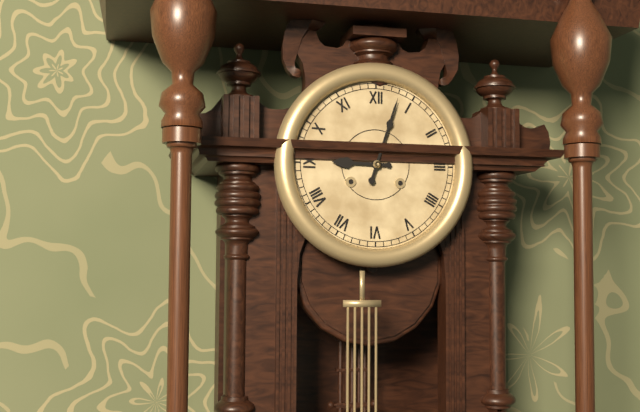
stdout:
9:03
